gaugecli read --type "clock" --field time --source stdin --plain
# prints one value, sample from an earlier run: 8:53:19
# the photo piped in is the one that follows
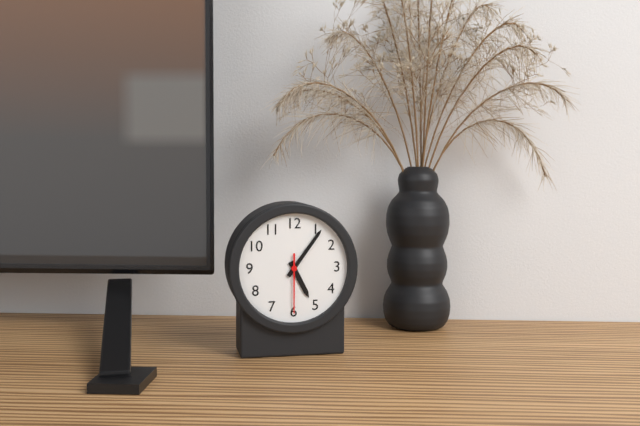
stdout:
5:06:30
